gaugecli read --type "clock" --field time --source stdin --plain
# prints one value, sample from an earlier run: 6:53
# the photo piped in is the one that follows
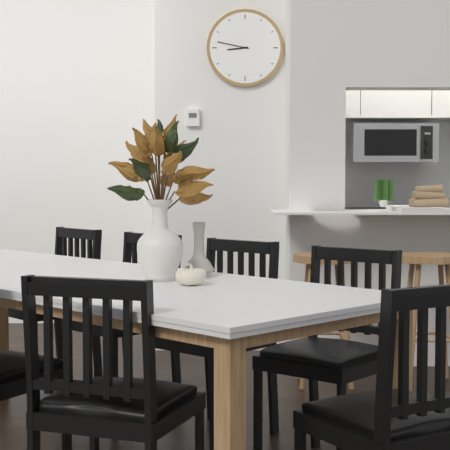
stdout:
8:47
